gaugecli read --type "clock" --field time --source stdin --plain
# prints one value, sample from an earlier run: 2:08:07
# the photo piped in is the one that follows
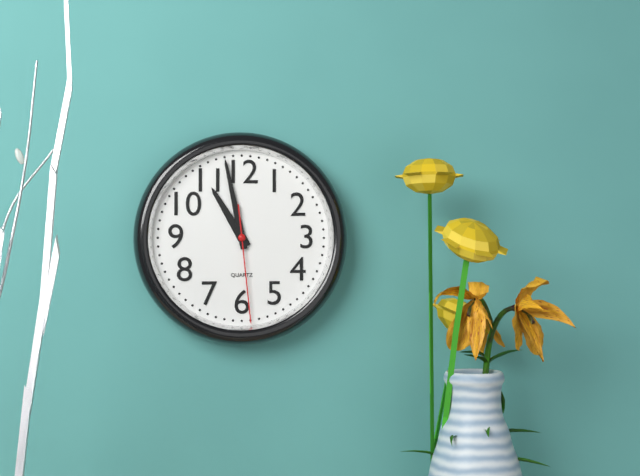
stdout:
10:58:29
